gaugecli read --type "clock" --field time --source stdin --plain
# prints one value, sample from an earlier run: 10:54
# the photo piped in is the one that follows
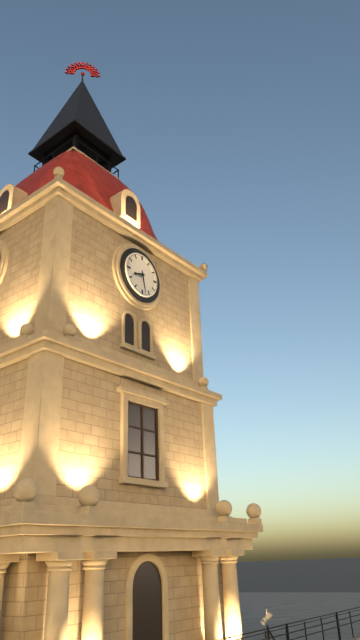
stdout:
8:28
